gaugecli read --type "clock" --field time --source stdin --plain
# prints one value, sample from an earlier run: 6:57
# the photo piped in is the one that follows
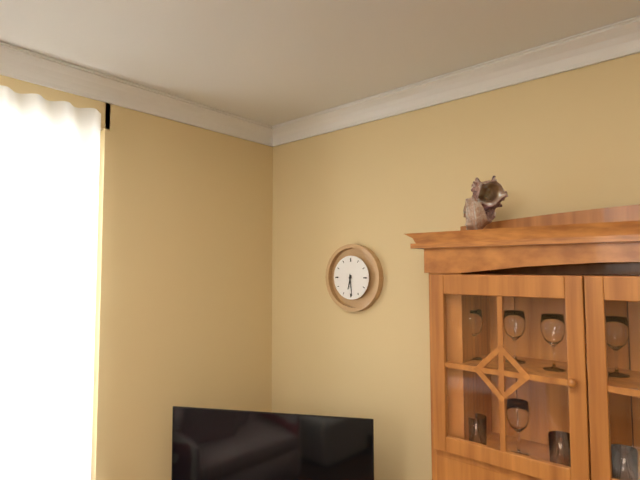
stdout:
6:29
